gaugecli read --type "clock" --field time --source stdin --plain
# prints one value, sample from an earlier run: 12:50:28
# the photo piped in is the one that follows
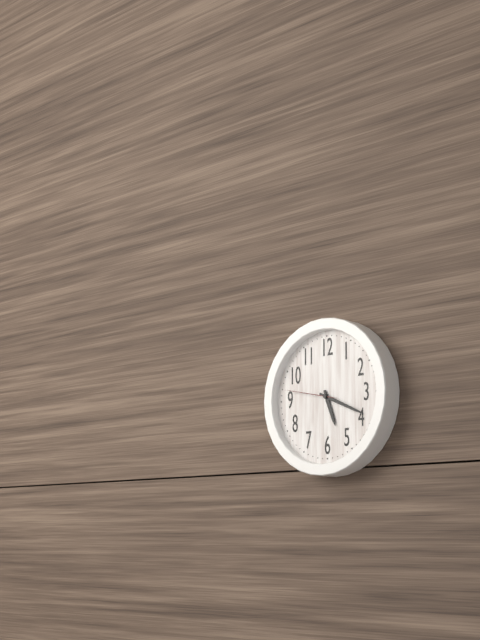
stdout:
5:19:47
